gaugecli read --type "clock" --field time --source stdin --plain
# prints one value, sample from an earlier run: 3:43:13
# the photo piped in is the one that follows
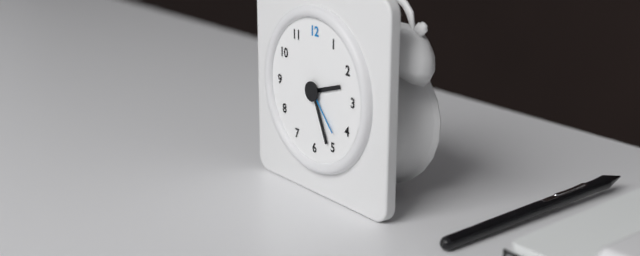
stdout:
2:26:23
